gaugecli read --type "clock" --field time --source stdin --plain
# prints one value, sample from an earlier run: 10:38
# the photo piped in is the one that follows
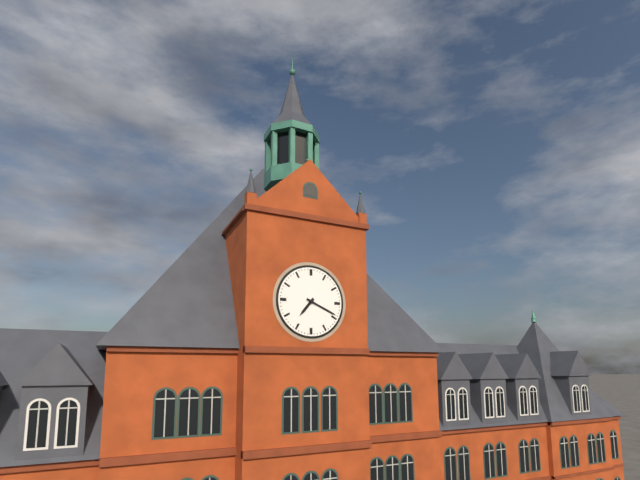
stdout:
7:19
